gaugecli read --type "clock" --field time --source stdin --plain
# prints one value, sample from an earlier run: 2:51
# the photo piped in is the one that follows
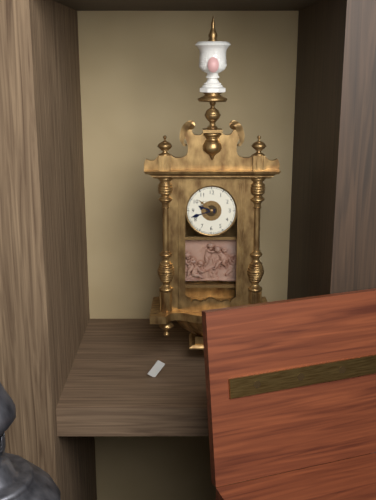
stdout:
9:42
